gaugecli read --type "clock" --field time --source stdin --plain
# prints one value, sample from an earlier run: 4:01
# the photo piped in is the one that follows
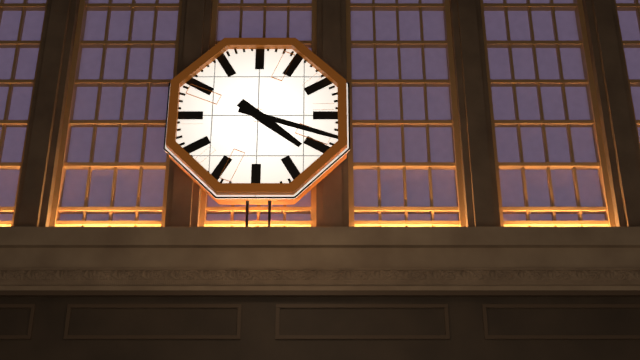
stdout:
4:18
